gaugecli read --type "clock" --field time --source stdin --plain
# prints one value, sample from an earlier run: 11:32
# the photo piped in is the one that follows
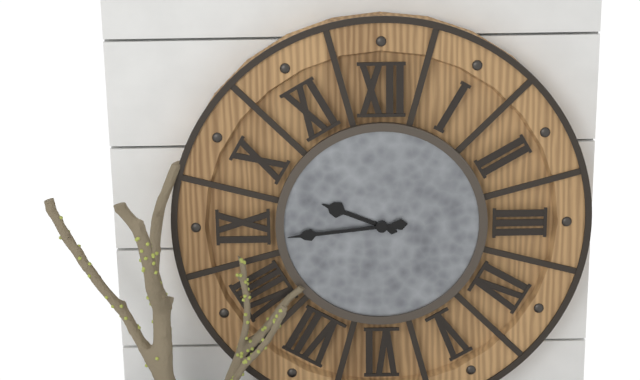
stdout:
9:44
